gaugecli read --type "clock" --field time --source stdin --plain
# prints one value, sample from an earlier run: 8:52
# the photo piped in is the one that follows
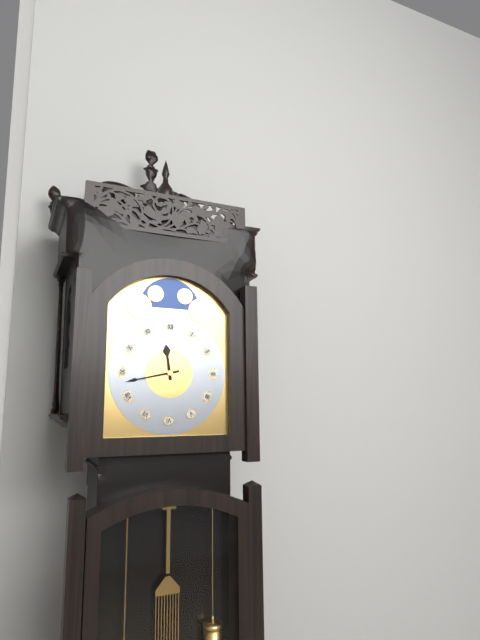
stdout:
11:43
